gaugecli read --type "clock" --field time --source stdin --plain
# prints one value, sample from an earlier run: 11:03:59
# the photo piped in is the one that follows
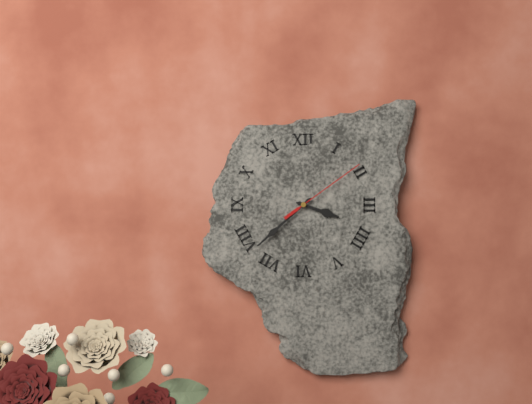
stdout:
3:38:09
